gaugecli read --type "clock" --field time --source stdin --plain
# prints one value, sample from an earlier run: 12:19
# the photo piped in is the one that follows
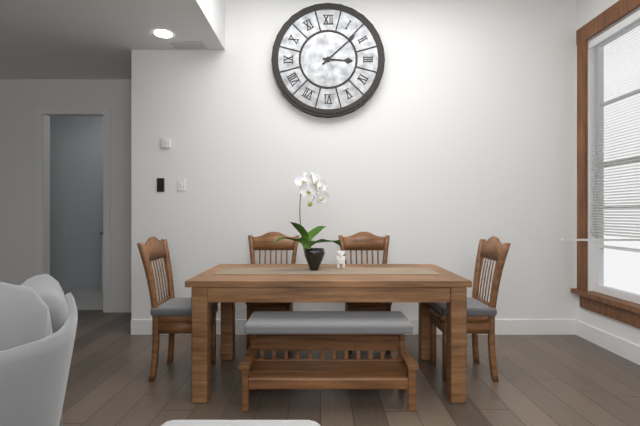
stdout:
3:08
